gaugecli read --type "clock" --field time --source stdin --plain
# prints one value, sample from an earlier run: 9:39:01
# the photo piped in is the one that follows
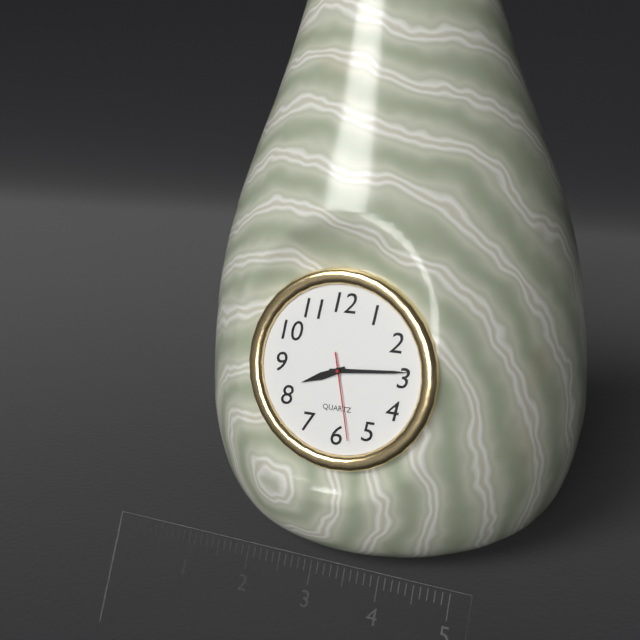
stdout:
8:14:28
